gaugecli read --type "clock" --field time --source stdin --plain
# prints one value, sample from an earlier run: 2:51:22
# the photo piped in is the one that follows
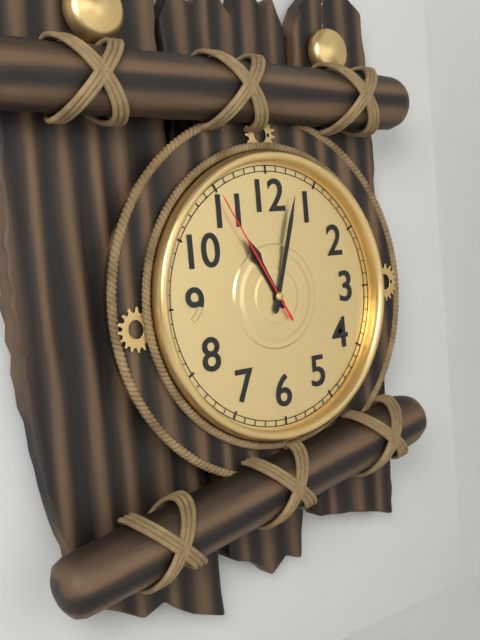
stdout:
11:03:55
